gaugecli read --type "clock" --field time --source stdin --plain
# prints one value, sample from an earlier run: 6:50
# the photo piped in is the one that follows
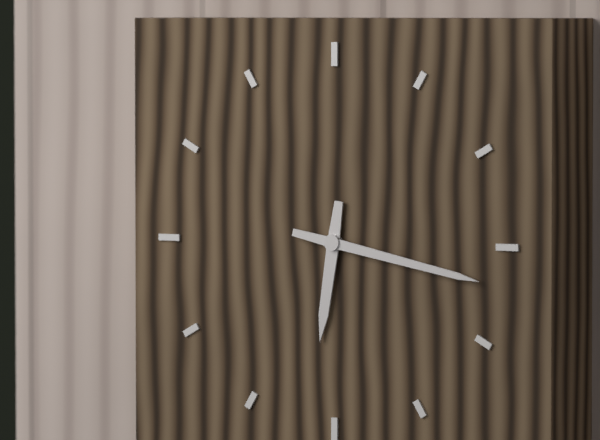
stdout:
6:17
